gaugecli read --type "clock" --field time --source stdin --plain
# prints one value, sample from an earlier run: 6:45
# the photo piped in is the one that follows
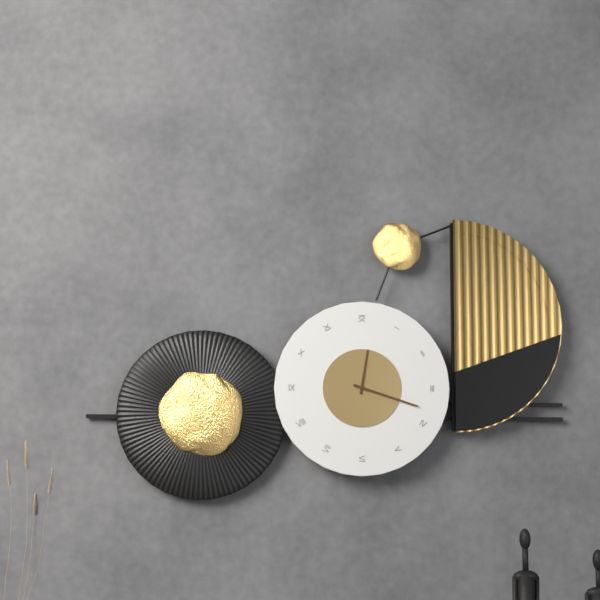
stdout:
12:18
